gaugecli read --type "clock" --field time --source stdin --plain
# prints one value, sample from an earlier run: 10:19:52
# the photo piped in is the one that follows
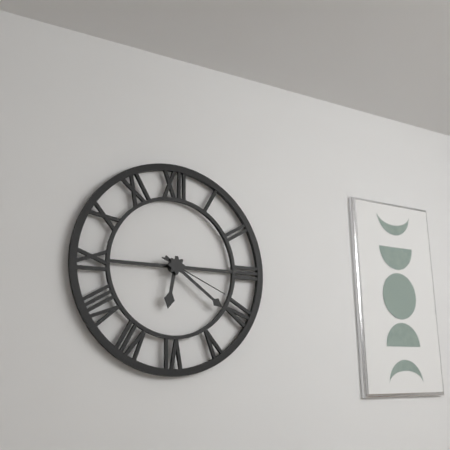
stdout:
6:21:19
